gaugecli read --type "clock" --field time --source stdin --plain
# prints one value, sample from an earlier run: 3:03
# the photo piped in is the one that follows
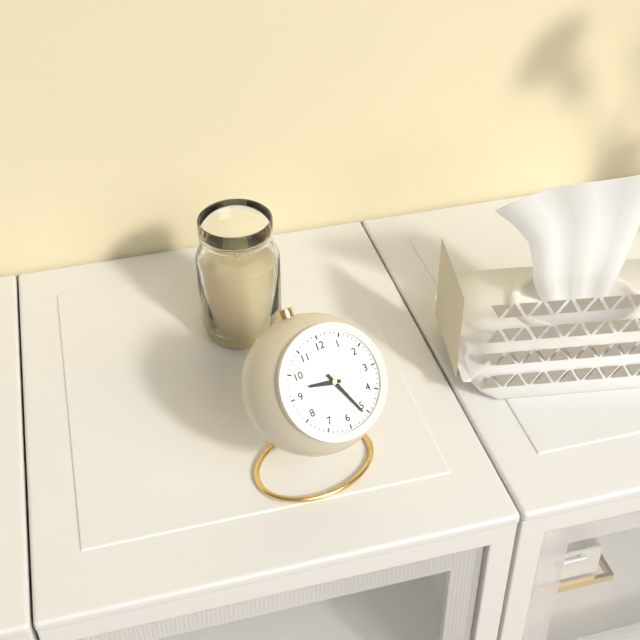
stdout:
9:26
